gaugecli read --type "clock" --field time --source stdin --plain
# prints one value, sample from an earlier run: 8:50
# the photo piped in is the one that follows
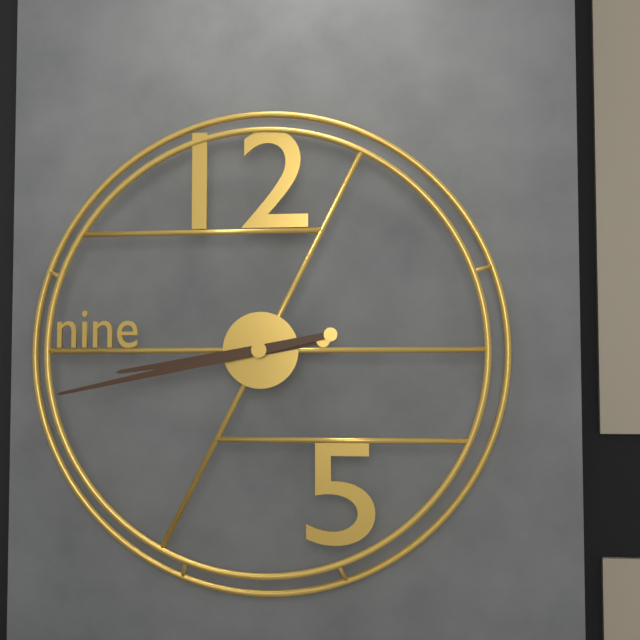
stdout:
8:43
